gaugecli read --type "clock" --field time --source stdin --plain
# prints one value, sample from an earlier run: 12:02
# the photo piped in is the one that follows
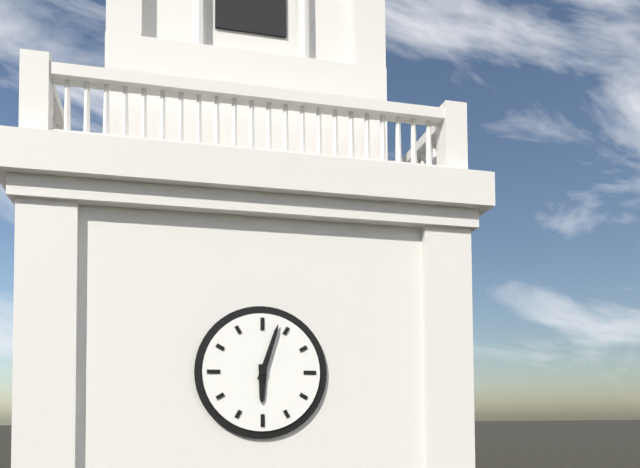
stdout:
6:03
